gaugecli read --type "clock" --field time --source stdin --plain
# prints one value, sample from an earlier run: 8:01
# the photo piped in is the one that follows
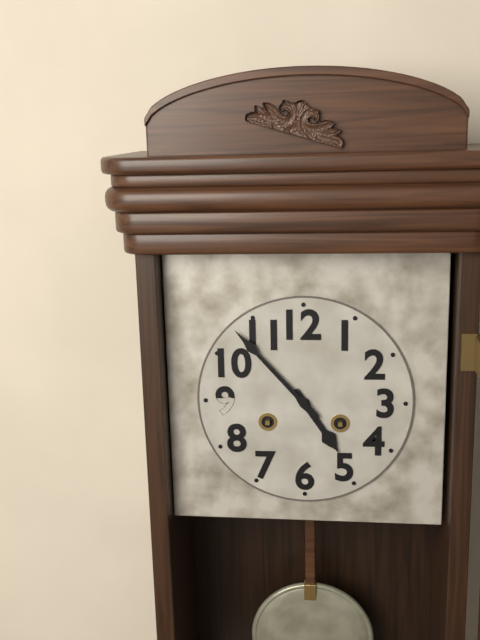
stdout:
4:53
